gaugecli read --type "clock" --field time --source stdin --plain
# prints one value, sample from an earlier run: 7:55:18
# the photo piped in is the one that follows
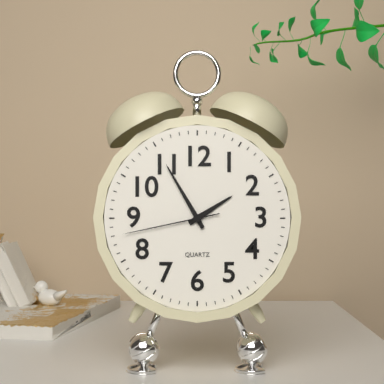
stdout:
1:55:43
